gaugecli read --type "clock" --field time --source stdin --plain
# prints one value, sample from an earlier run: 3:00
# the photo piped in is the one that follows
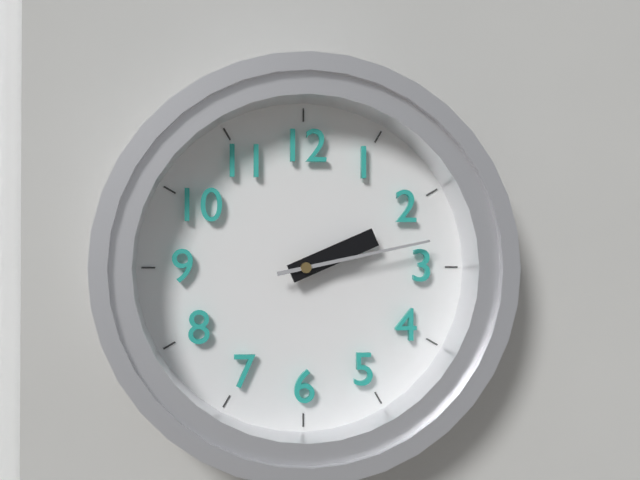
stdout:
2:13
